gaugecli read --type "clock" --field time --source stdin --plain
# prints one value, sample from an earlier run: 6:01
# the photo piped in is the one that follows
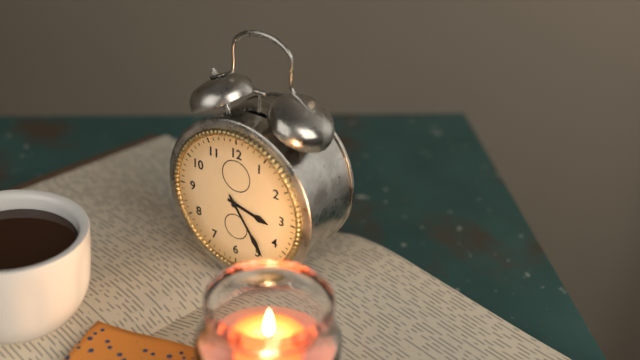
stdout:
3:24
